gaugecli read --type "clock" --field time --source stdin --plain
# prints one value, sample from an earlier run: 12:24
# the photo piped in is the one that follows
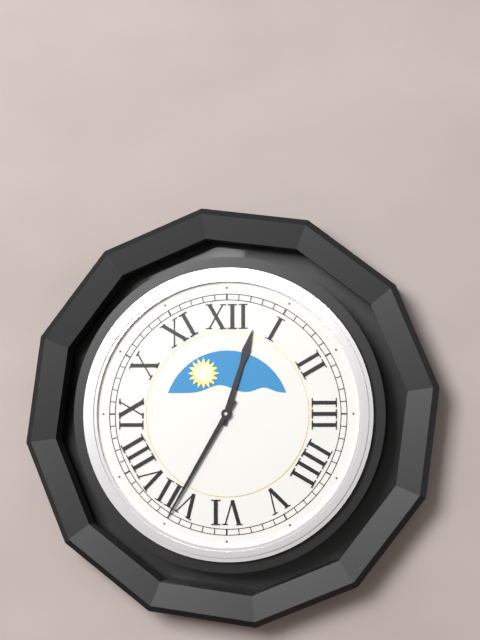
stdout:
12:35
